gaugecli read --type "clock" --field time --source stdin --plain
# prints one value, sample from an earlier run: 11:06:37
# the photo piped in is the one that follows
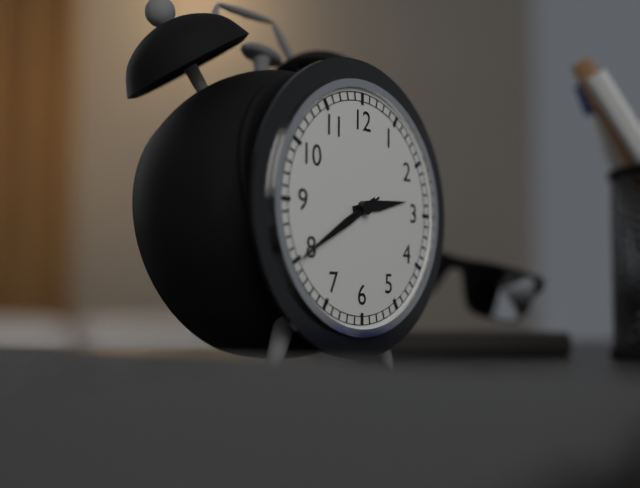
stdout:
2:40:40
